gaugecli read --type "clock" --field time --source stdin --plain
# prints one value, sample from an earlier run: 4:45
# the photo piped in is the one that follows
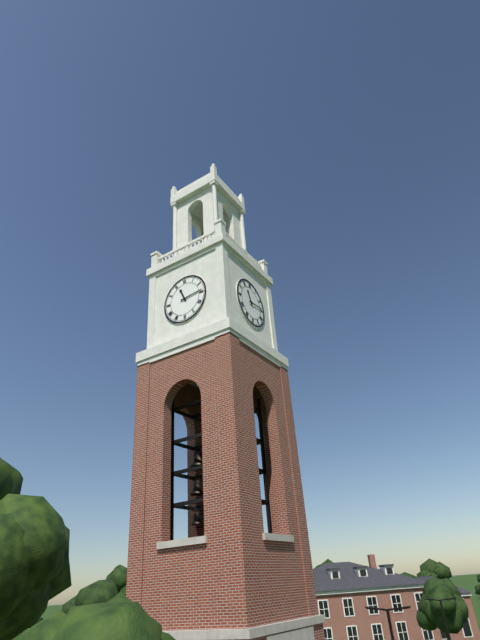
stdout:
11:14
